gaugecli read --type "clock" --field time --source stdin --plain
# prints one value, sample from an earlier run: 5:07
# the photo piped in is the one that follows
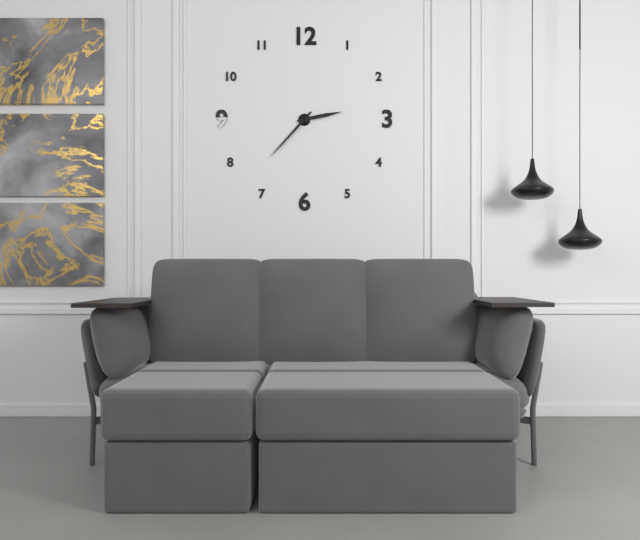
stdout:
2:37
